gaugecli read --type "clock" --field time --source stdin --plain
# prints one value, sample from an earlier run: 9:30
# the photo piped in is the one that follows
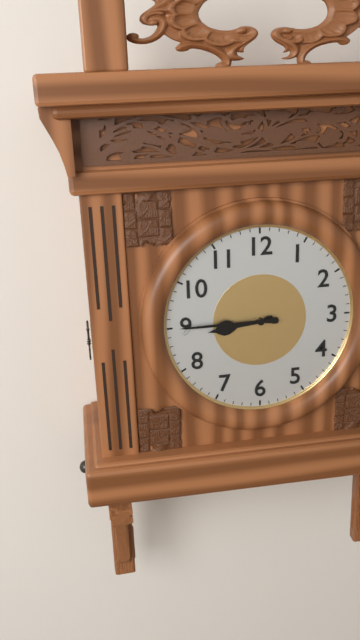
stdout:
8:45
